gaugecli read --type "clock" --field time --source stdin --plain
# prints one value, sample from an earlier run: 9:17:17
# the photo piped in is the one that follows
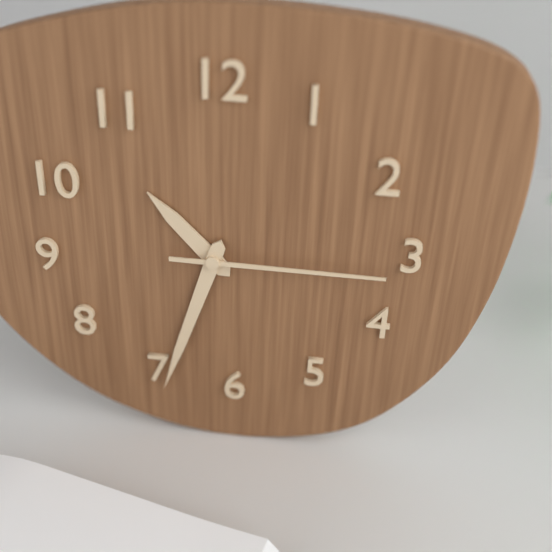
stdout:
10:33:15
